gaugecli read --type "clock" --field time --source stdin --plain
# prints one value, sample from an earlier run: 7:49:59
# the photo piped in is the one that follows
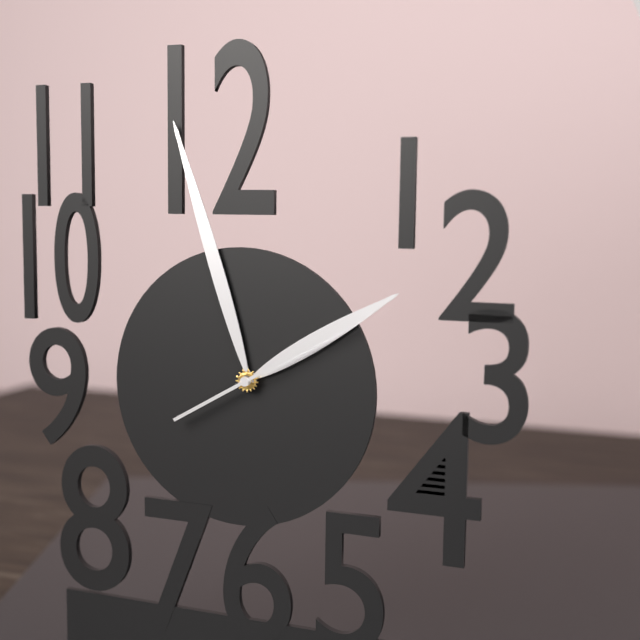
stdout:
1:57:10
